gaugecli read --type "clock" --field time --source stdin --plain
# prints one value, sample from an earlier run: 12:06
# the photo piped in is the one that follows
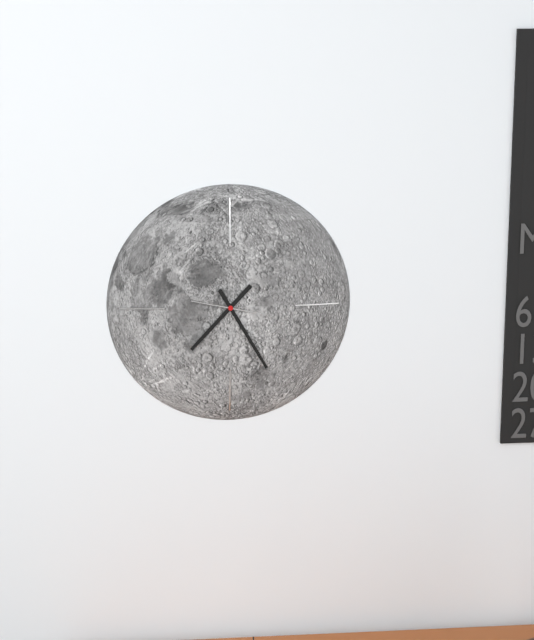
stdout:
7:25
